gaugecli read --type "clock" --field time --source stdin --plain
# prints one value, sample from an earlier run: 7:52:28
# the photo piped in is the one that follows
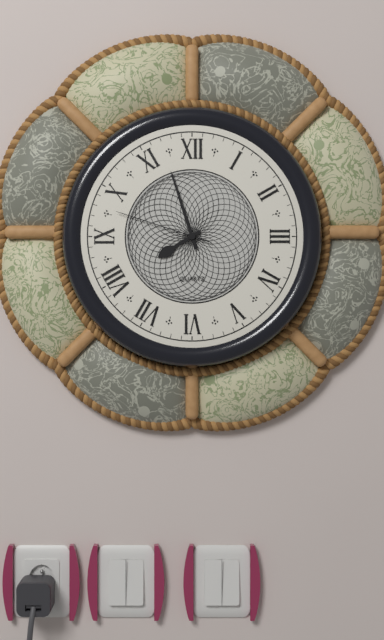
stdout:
7:57:48
